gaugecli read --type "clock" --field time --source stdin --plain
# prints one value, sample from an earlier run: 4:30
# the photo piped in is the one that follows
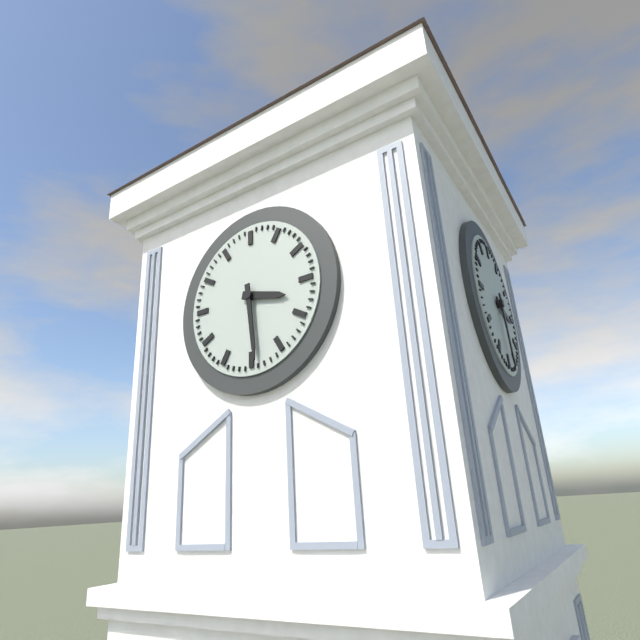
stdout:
3:29
